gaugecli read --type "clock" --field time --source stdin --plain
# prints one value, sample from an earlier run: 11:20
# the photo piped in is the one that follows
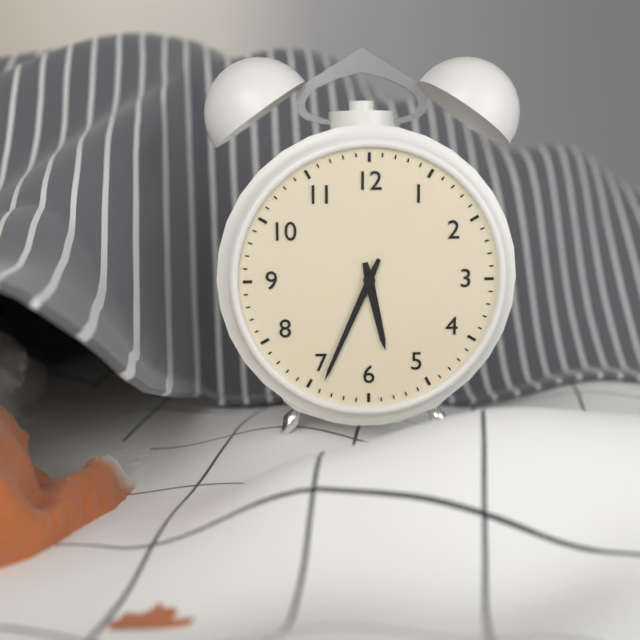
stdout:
5:34
